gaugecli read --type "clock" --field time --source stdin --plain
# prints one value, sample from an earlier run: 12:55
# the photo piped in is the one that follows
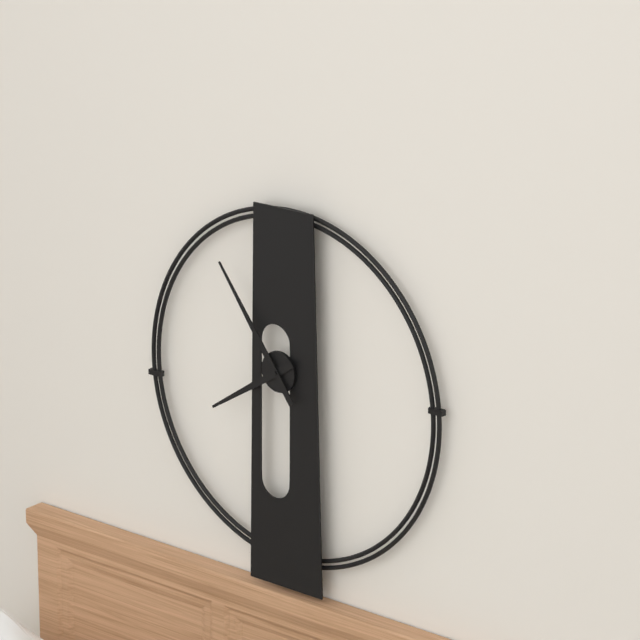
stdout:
7:54
